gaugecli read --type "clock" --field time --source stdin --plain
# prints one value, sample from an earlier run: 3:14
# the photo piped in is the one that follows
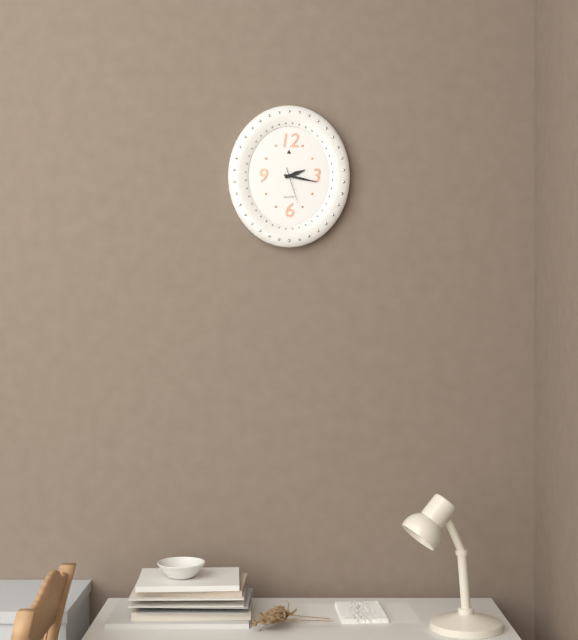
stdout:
2:17
